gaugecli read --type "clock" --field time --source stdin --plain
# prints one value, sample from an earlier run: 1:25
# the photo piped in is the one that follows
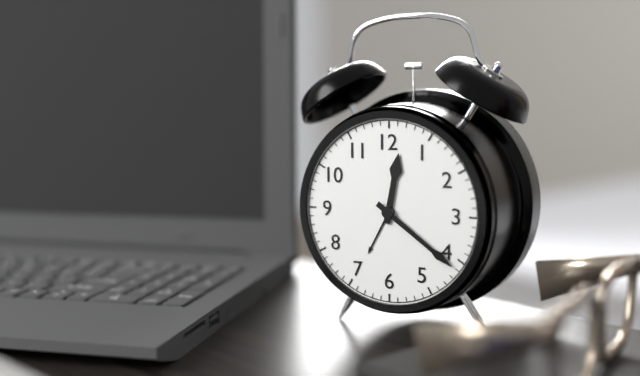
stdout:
12:21
